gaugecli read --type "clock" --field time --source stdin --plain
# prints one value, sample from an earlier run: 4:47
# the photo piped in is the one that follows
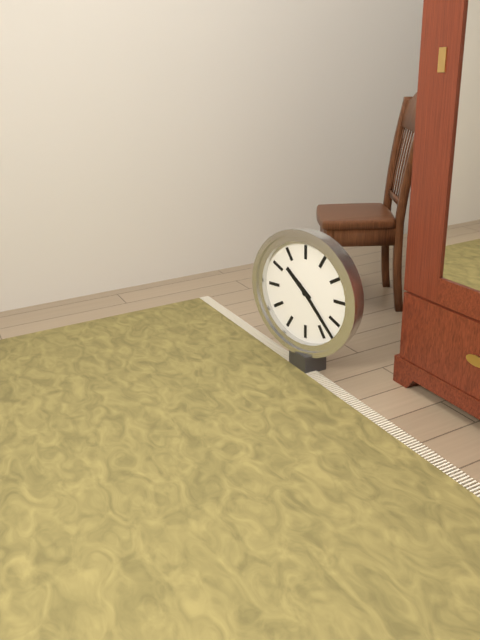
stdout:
10:23
